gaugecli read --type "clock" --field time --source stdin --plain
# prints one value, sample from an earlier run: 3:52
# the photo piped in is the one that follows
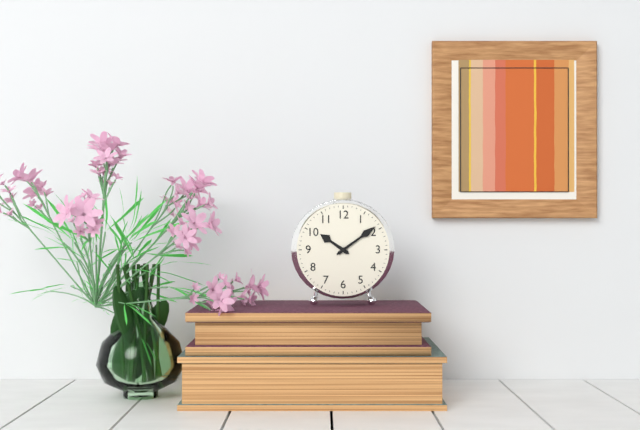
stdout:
10:09
